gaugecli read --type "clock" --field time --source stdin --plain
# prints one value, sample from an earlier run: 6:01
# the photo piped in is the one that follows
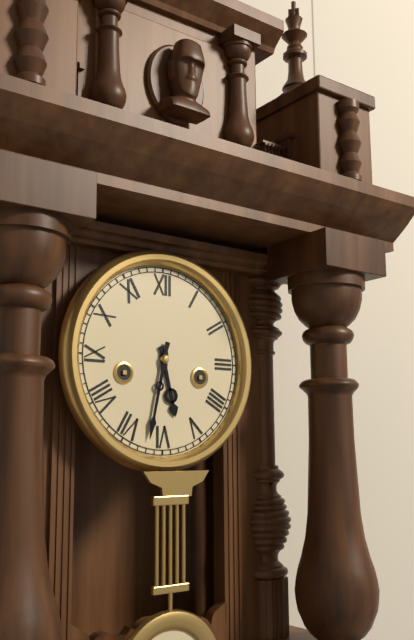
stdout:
5:32
